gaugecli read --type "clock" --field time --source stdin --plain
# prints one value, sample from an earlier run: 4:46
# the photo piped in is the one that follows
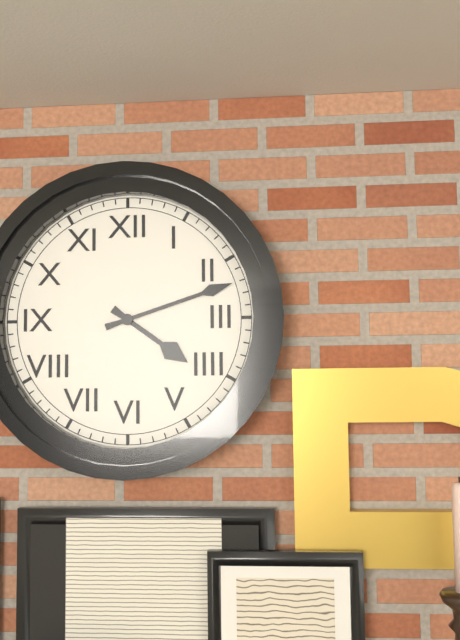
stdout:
4:12
